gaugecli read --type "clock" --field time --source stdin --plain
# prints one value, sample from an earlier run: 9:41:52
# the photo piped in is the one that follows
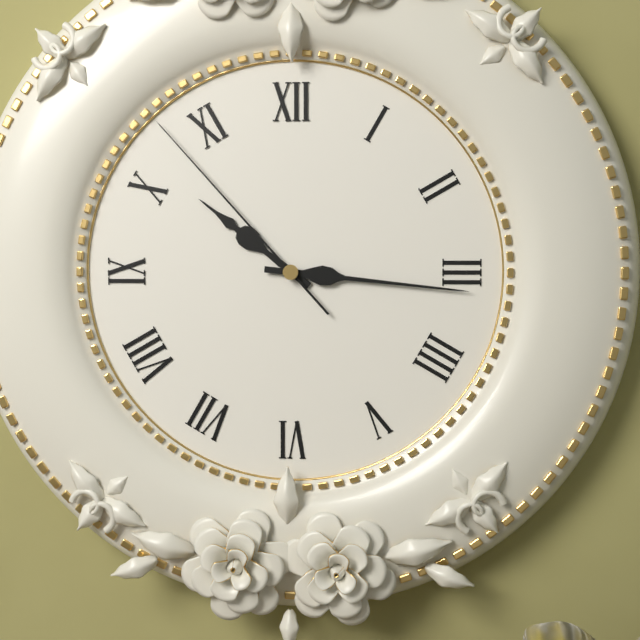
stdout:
10:16:53
